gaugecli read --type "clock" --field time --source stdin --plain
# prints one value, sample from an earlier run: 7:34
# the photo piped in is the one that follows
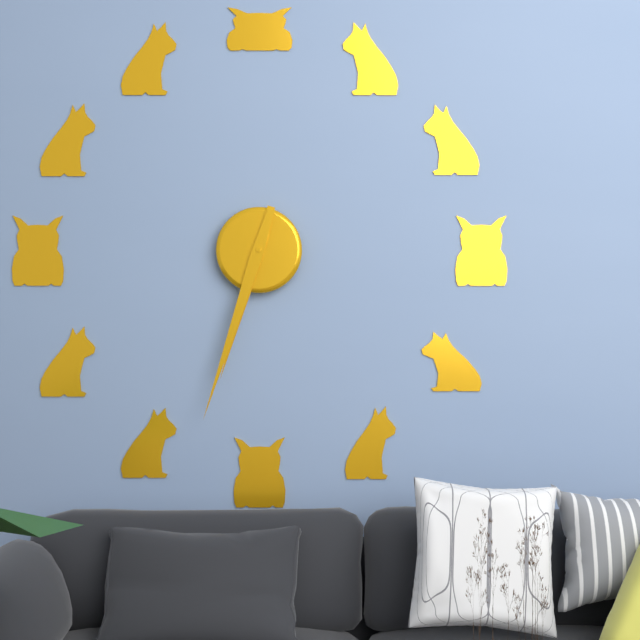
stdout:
6:33
